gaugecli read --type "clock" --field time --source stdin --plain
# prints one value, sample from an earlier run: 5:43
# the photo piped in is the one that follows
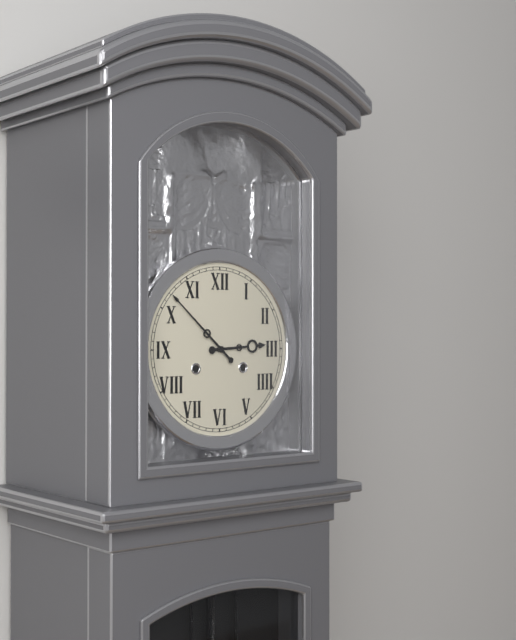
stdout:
2:52
